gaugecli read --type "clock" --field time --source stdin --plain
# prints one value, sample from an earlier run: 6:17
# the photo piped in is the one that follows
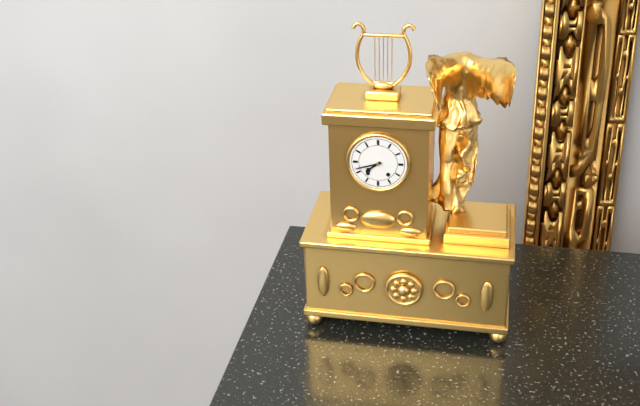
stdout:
7:42
